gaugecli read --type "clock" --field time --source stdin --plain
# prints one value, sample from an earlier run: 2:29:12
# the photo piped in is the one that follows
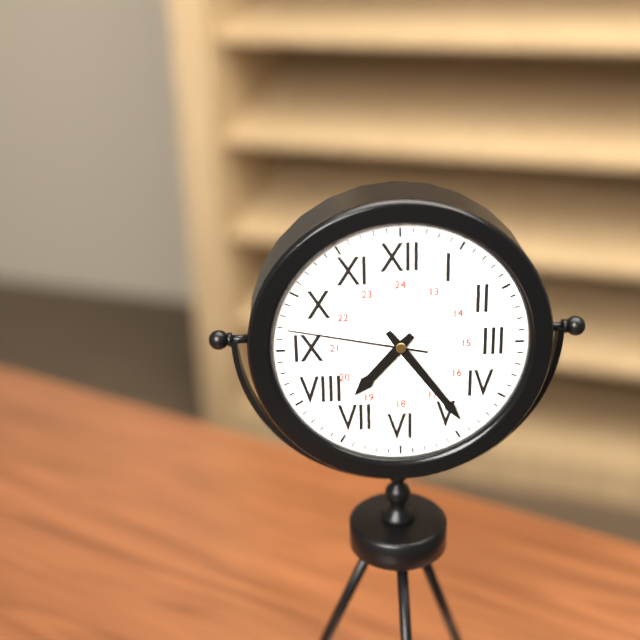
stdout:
7:24:47
